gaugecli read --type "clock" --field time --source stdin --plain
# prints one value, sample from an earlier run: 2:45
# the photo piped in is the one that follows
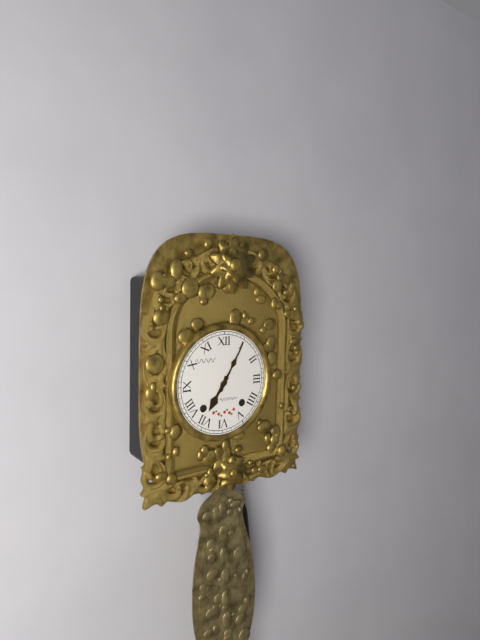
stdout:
7:05
